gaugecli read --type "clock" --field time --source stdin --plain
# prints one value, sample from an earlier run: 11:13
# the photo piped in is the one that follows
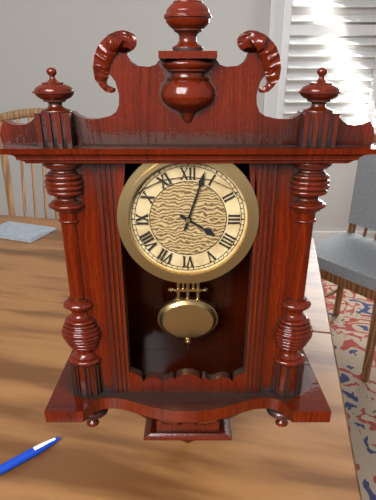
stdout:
4:03
